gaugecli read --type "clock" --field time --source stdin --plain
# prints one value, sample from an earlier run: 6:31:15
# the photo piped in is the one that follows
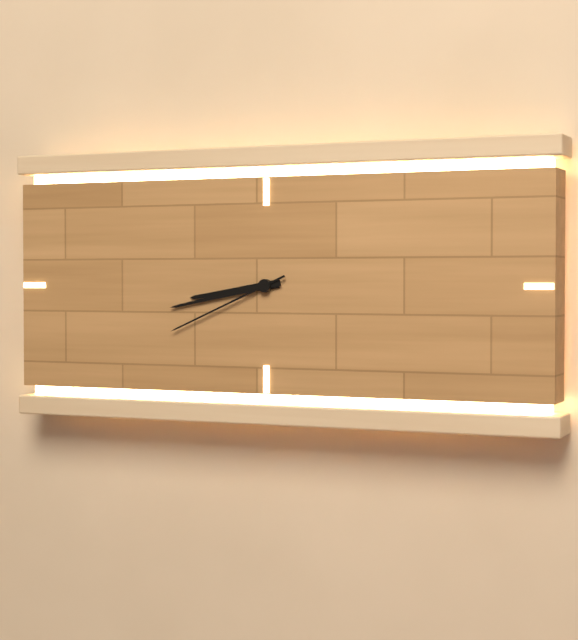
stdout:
8:43:41
